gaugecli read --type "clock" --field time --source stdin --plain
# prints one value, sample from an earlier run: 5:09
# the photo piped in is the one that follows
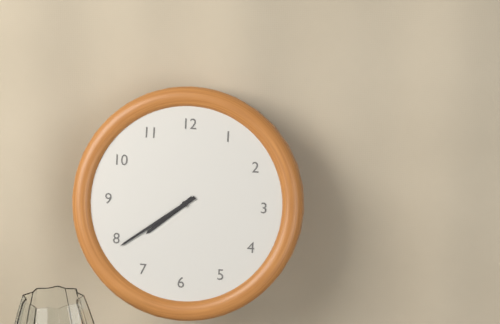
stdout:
7:39
